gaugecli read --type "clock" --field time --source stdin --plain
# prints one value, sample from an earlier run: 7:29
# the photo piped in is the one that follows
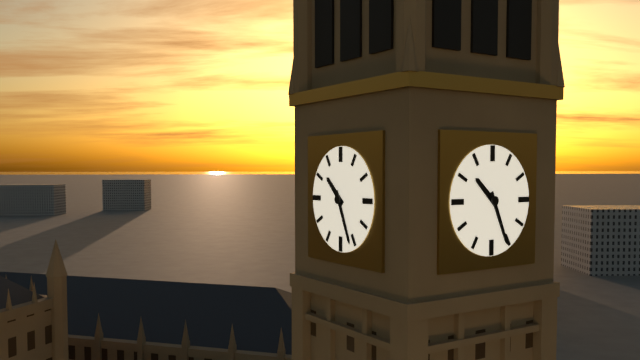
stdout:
10:26
